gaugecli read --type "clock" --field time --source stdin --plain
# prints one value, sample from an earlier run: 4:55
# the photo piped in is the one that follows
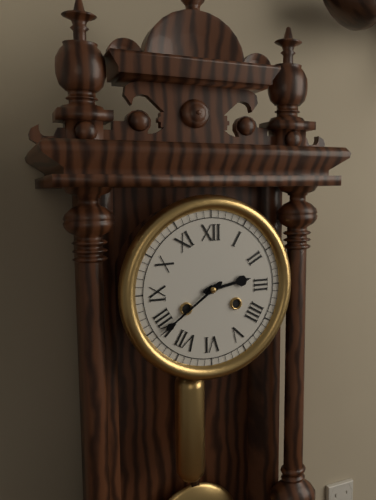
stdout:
2:39
